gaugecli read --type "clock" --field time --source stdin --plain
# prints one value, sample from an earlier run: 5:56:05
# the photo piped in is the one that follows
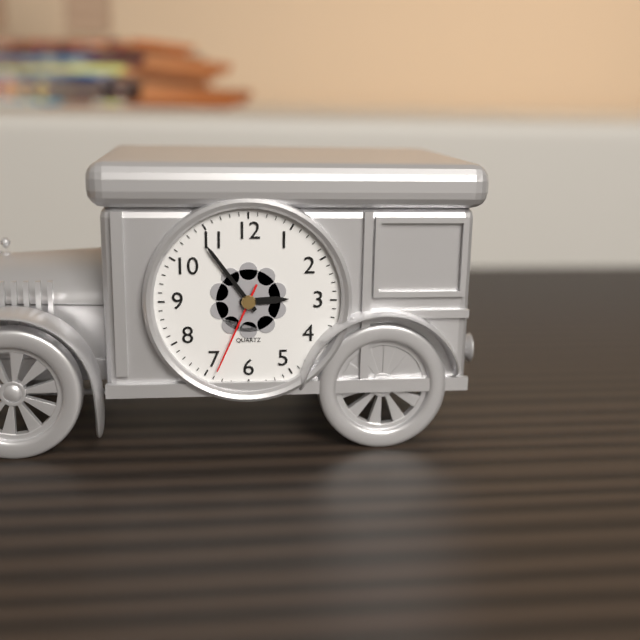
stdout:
2:54:34
